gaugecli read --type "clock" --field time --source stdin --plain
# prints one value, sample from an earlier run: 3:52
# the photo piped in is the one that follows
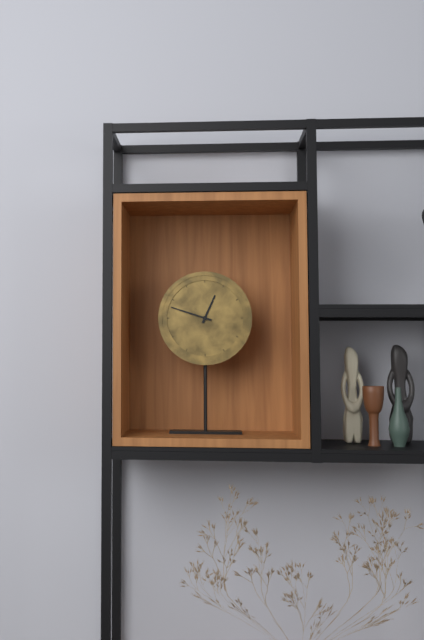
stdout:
12:48
